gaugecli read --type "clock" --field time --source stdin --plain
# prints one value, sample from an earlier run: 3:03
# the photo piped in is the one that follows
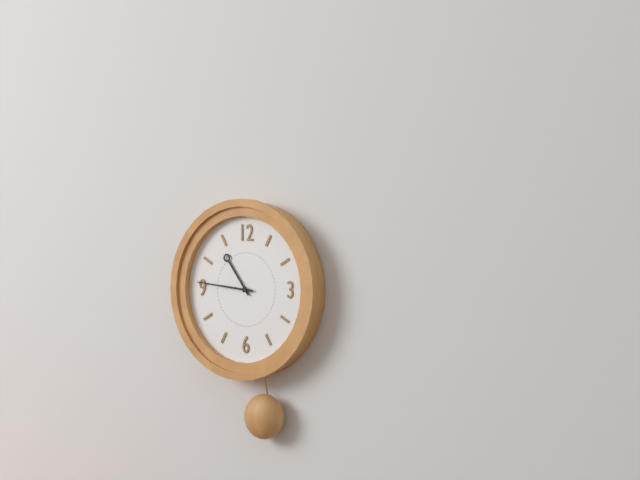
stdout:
10:46
